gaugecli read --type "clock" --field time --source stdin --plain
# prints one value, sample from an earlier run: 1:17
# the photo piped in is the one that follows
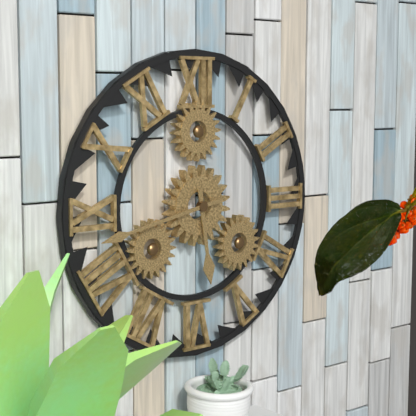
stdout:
5:43
